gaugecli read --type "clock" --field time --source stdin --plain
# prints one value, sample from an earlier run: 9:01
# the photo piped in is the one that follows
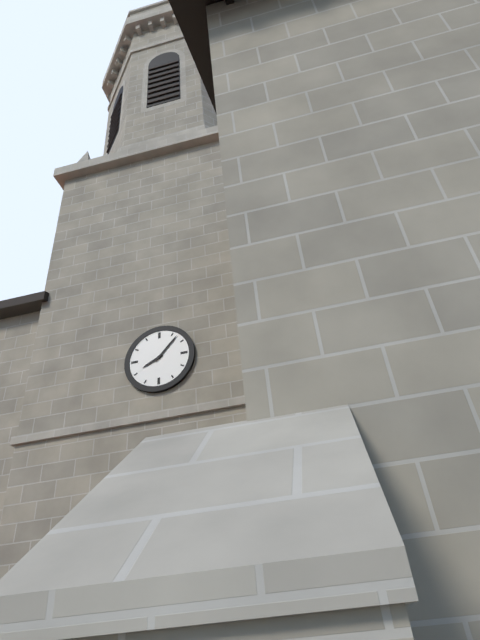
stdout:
8:07
